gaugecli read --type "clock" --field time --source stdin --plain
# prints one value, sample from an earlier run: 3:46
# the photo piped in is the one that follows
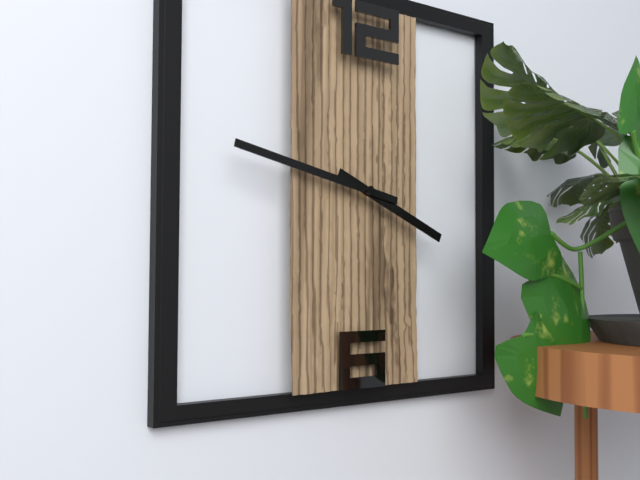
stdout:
3:47
